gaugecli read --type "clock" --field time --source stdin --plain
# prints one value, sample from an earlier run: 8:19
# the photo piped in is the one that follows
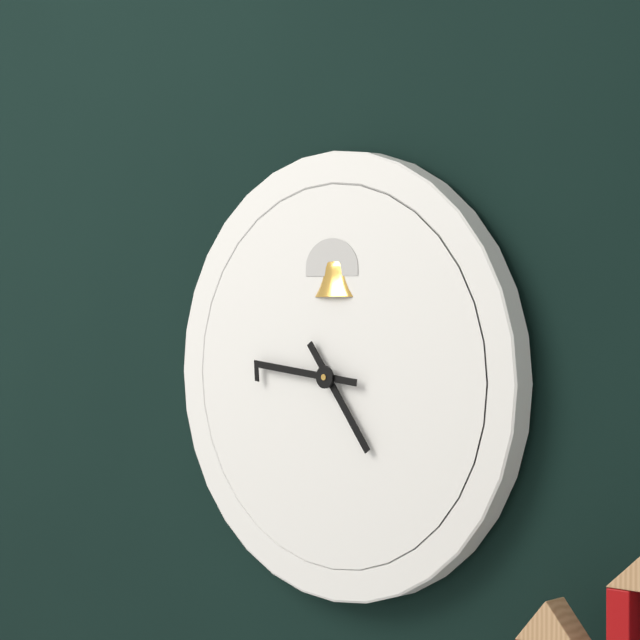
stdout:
4:46
